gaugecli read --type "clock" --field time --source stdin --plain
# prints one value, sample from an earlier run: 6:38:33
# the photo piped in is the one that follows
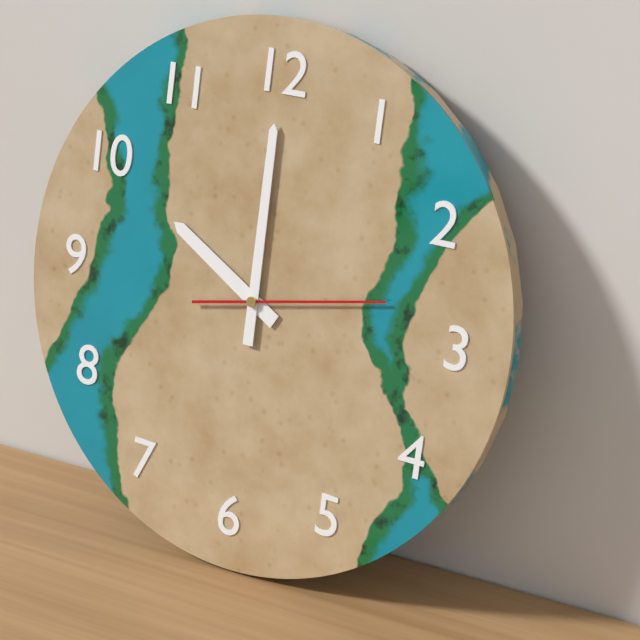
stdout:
10:00:13
